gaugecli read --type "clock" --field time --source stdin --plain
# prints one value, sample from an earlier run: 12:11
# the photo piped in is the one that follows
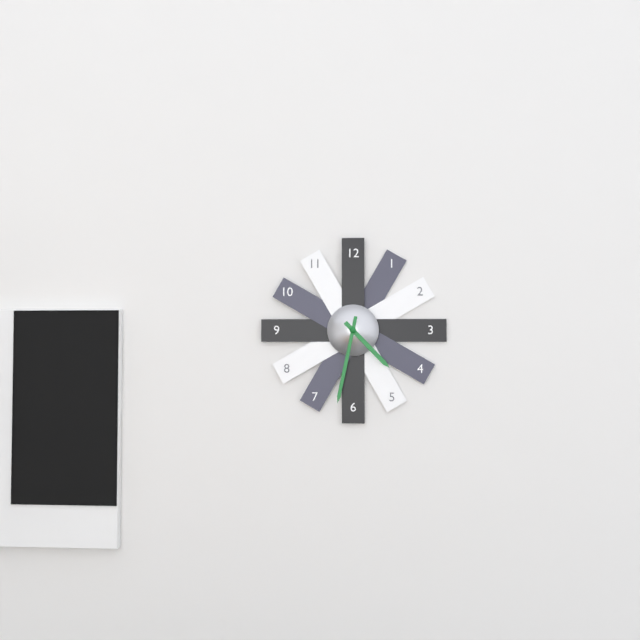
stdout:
4:32
